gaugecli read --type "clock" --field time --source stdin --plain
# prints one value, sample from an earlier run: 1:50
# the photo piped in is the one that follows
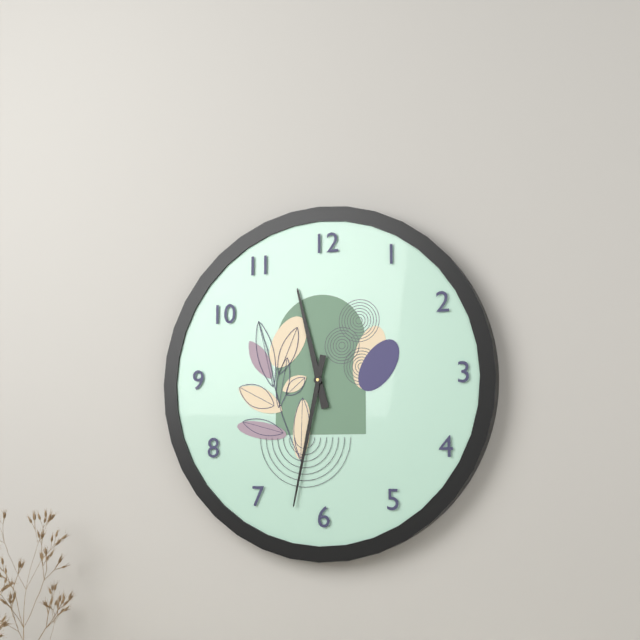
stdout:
11:32
